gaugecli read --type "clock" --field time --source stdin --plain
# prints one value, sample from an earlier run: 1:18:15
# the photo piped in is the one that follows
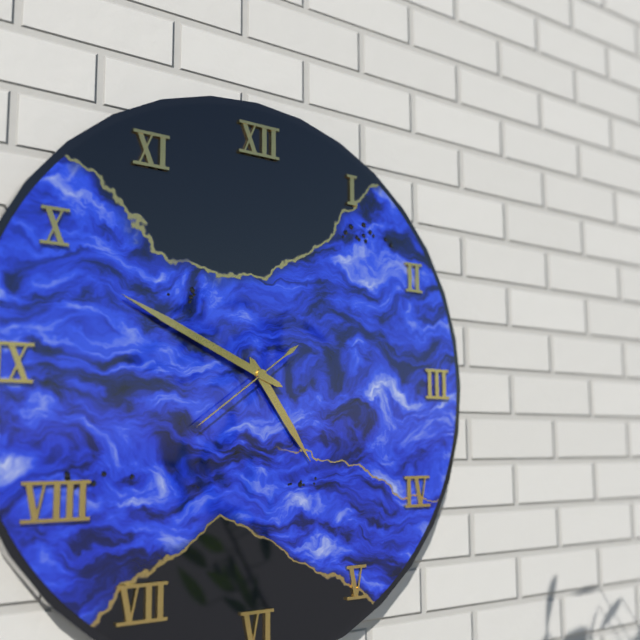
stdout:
4:49:39
